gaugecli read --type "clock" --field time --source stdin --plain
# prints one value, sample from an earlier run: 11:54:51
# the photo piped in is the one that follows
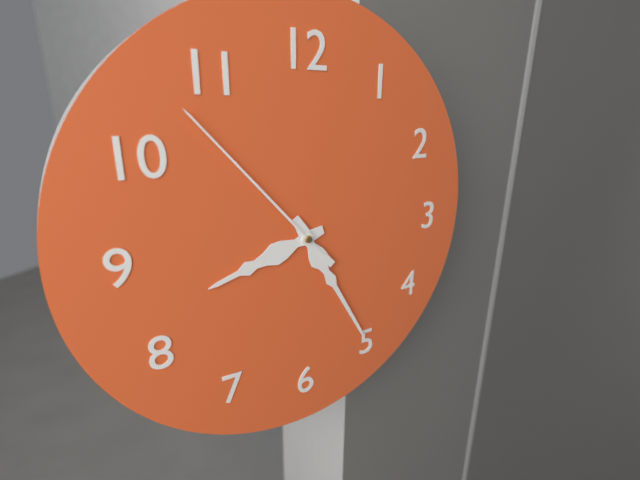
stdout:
8:25:53
